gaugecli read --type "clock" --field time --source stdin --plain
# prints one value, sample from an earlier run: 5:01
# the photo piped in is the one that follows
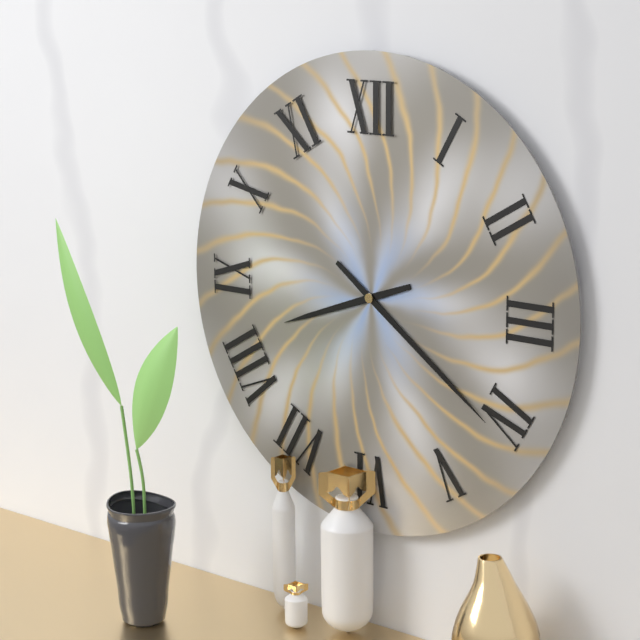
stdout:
8:21
